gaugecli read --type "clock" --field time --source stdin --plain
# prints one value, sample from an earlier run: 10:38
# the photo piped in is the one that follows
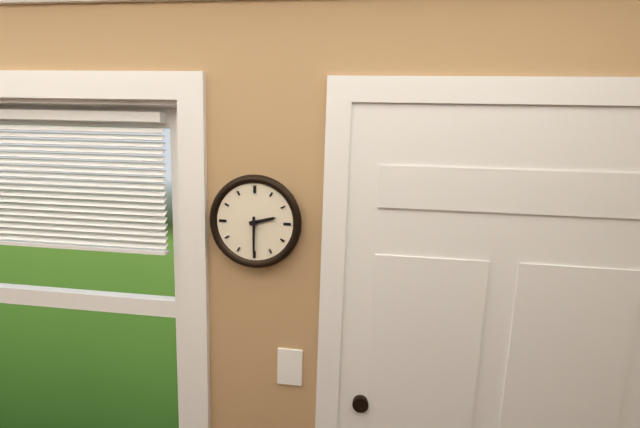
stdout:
2:30
